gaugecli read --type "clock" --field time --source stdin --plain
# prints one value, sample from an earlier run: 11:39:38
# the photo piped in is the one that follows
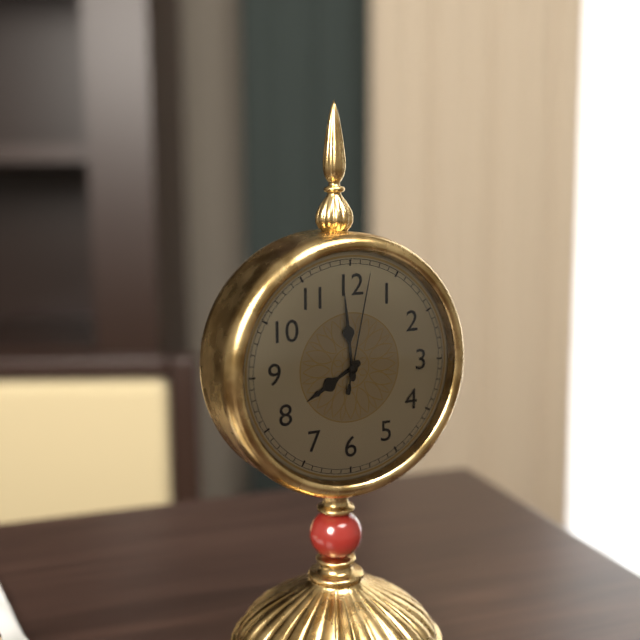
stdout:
7:59:02
